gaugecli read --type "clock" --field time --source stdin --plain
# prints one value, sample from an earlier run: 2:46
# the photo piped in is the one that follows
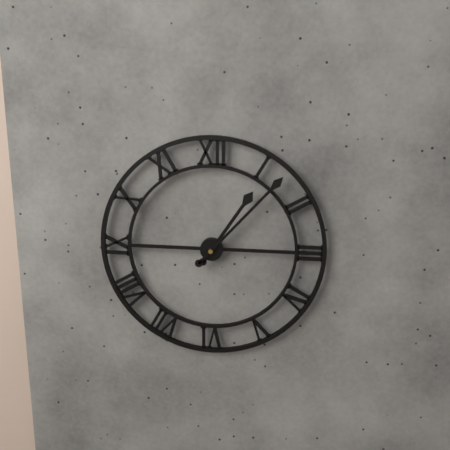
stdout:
1:07
